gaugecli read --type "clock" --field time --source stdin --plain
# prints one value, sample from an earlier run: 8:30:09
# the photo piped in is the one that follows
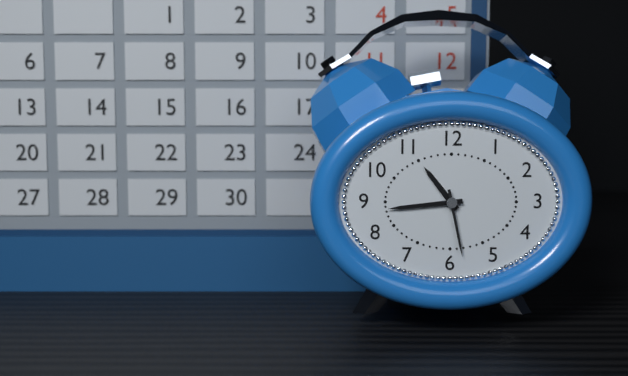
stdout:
10:44:28
